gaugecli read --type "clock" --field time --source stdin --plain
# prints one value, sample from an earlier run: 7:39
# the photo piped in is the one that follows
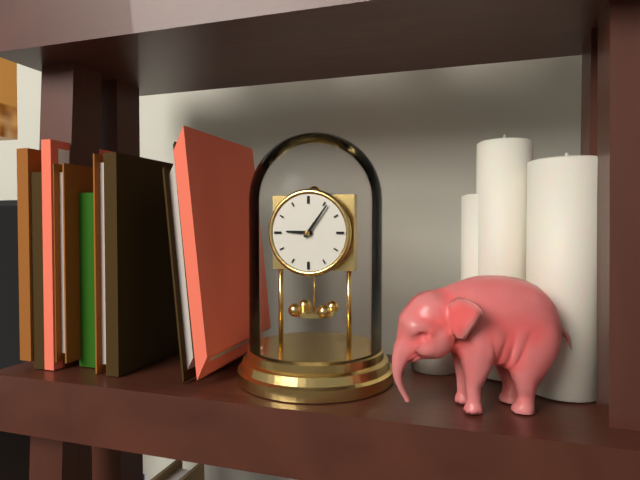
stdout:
9:06
